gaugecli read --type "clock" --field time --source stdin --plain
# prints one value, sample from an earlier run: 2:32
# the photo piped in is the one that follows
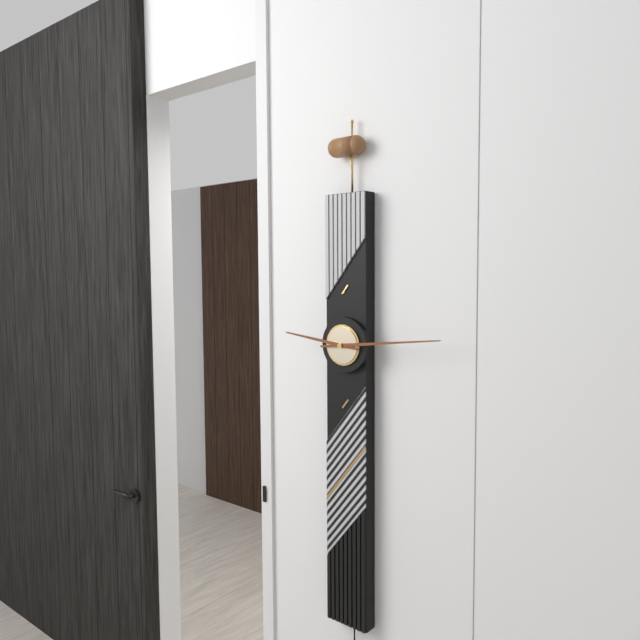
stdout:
9:14
